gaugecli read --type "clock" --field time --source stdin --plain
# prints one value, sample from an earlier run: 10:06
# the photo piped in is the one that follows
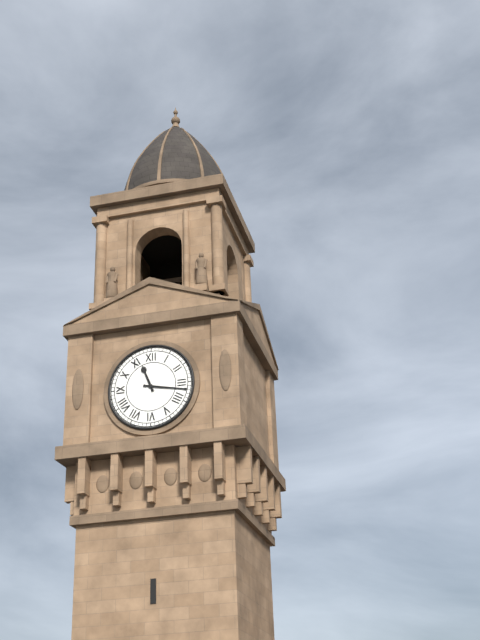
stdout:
11:17
